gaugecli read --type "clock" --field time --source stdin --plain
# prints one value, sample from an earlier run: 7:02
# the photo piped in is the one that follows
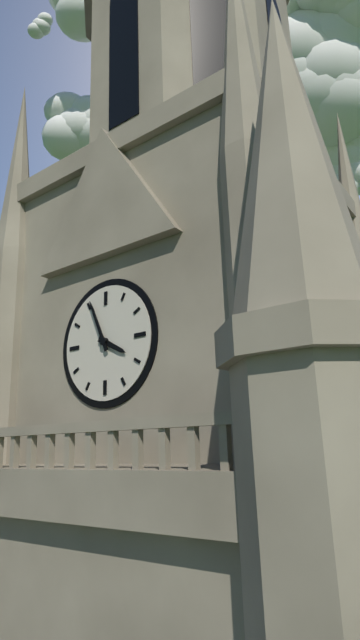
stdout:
3:56
